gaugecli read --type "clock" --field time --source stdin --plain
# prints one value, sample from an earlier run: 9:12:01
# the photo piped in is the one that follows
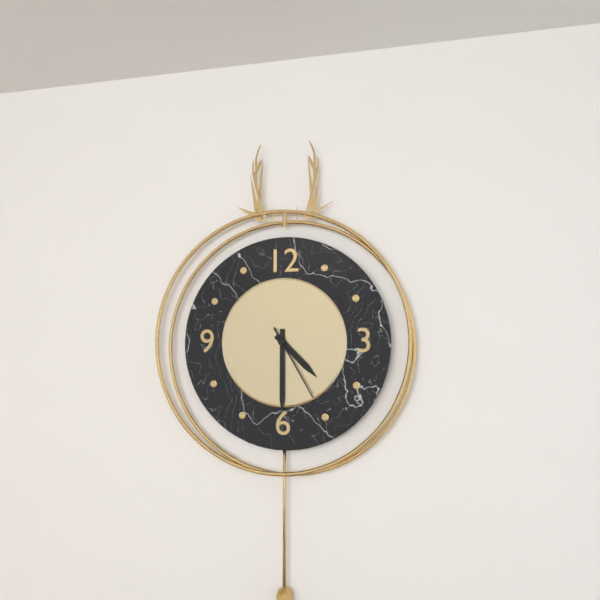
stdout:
4:30:25
